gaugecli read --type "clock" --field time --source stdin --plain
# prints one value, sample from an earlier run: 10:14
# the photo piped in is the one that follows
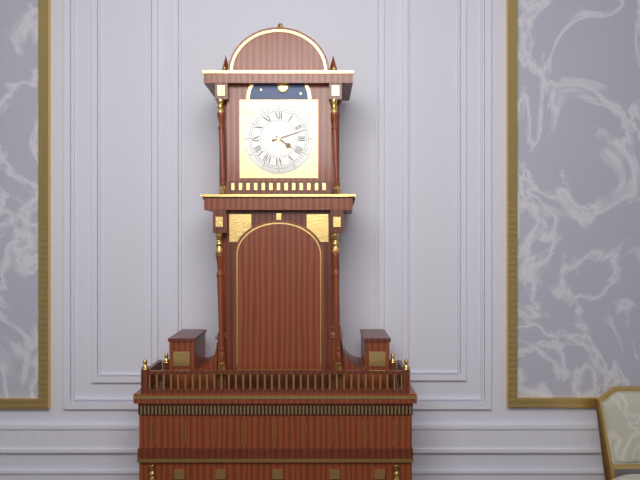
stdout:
4:12
